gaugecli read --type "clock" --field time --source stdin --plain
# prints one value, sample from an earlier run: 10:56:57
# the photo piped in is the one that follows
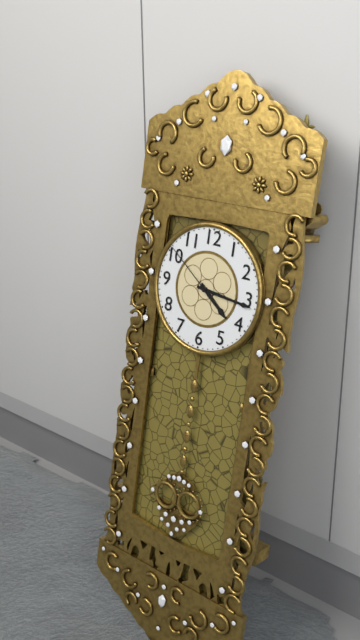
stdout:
4:16:51
